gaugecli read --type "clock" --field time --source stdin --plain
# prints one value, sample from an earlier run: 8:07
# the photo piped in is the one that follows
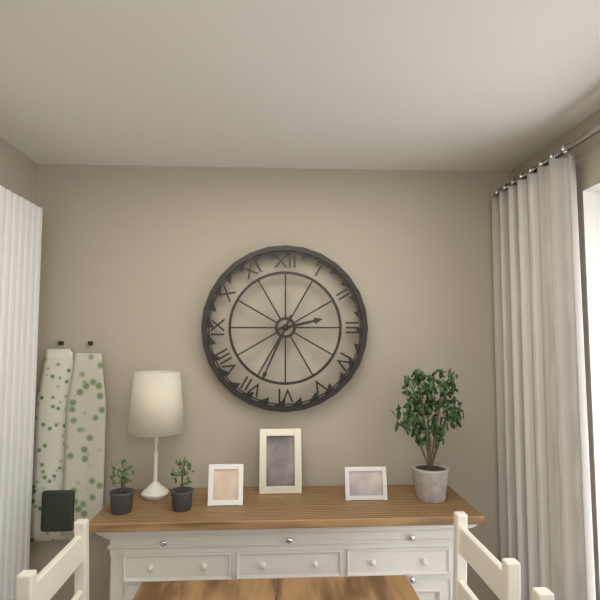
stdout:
2:34
